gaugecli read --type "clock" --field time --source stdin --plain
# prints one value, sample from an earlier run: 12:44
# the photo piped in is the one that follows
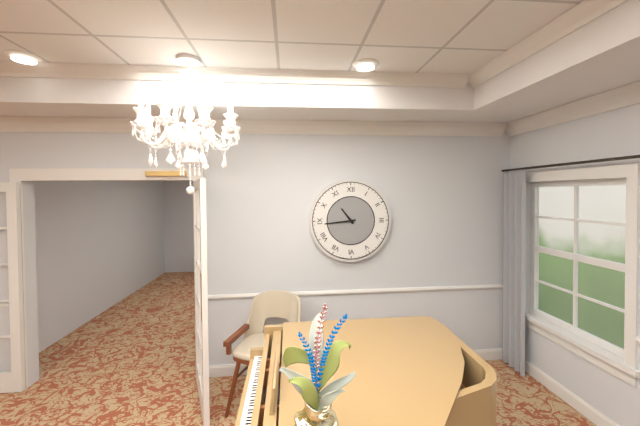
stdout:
10:44
